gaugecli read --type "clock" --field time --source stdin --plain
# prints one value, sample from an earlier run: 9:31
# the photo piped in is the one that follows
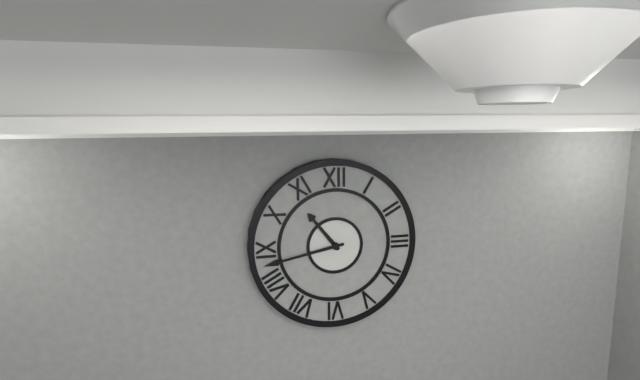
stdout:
10:43
